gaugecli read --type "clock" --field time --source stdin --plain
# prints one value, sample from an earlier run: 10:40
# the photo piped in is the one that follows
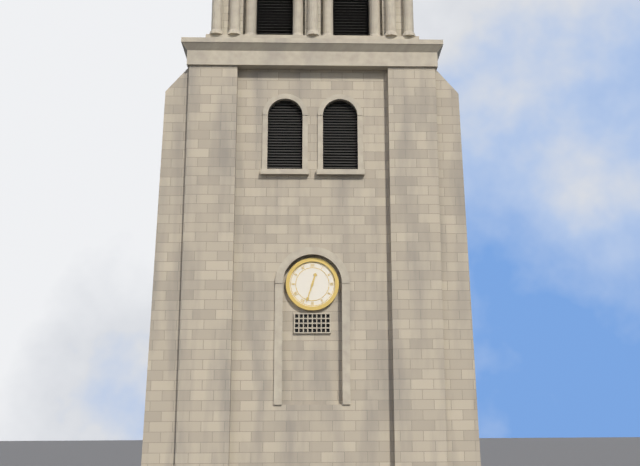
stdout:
12:33
